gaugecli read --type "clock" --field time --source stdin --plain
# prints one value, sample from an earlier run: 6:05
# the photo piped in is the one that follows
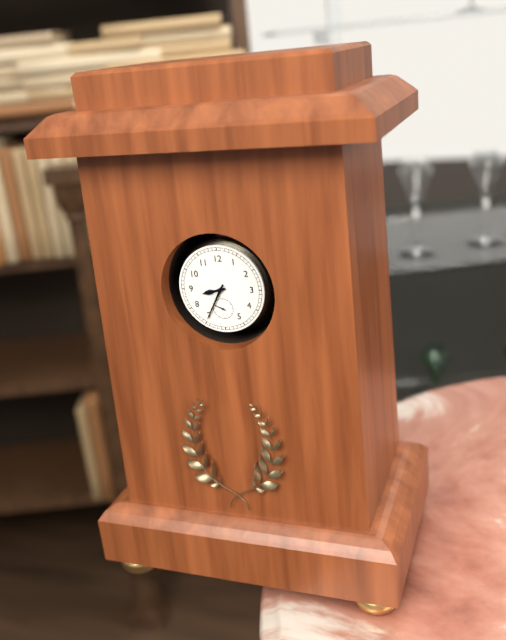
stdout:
8:35
